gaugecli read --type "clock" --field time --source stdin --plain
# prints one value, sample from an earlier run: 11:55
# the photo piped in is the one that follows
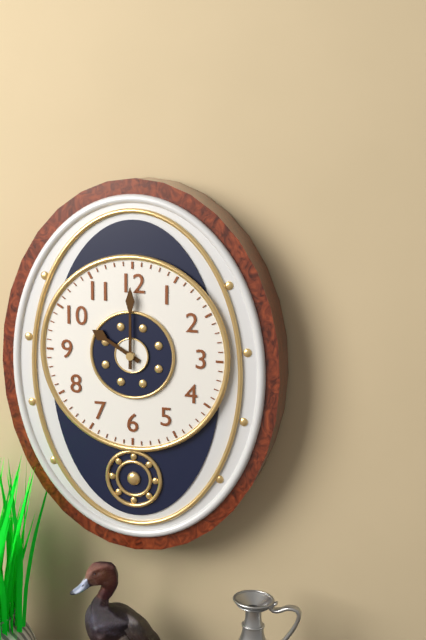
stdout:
10:00
